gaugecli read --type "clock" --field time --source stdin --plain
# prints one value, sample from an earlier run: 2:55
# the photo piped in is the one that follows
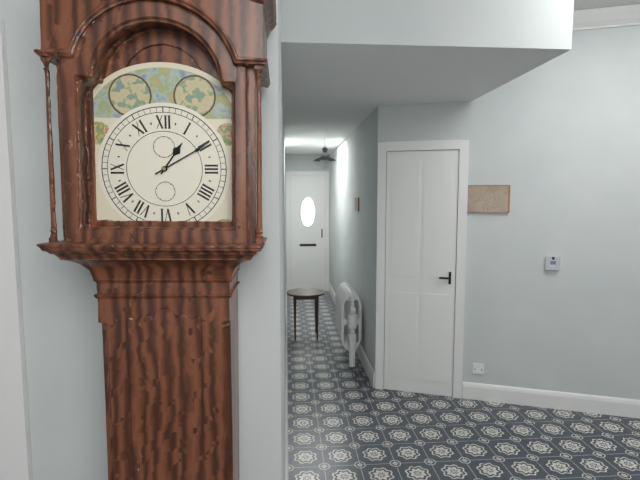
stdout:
1:10
